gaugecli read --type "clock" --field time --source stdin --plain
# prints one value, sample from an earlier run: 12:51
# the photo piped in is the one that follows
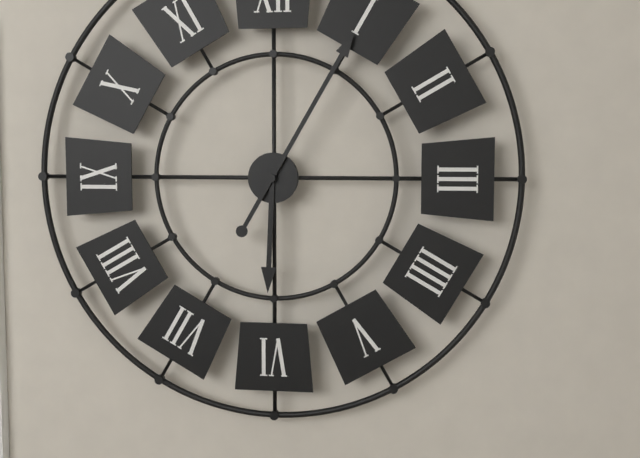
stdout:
6:05
